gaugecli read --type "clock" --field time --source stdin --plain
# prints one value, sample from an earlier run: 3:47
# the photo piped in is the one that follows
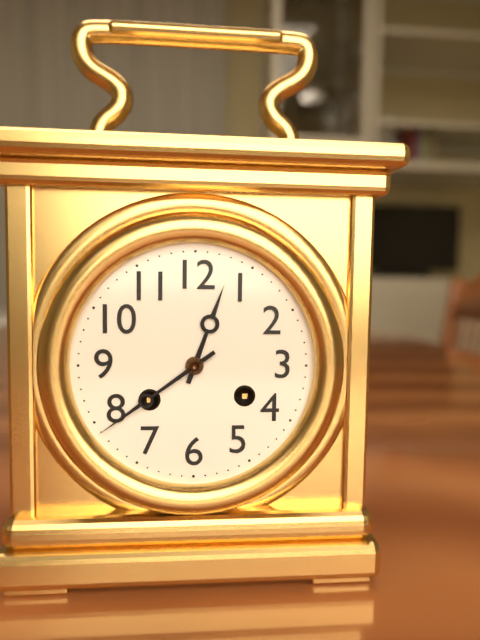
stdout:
12:39
